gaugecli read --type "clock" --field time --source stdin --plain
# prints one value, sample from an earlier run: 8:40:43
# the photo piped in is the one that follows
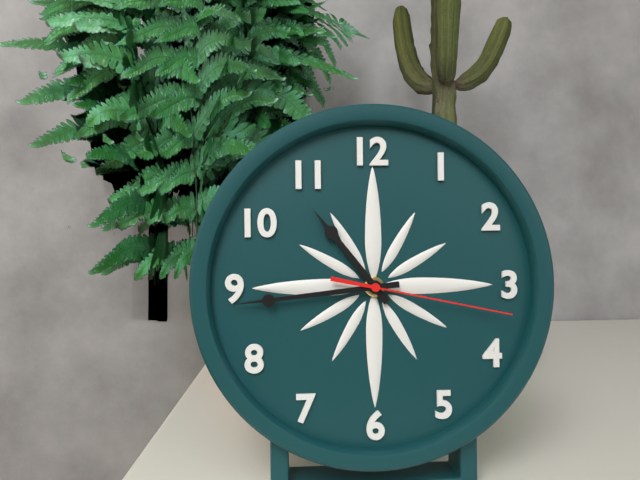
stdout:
10:44:17
